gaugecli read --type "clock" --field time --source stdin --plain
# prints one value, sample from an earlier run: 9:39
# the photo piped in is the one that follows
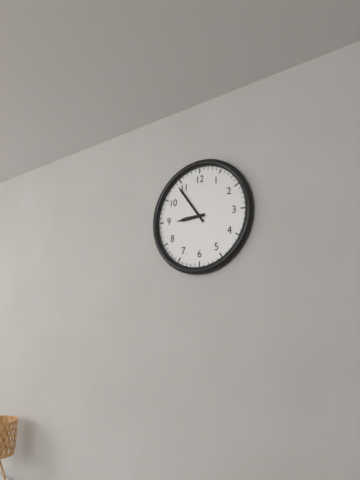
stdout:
8:54
